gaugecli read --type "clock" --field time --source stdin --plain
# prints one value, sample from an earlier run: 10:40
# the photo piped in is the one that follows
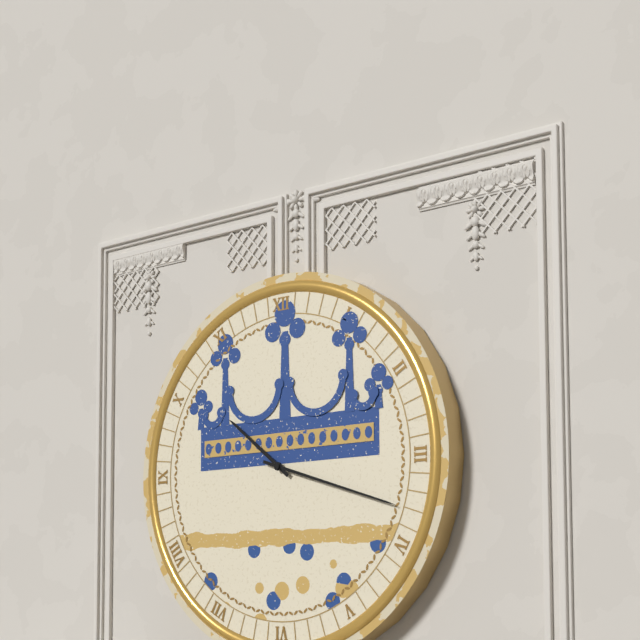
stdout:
10:18
